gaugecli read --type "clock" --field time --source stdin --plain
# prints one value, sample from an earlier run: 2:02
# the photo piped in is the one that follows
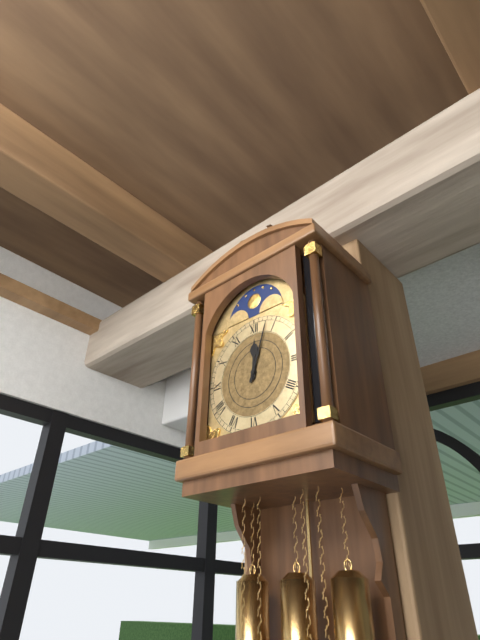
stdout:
12:03
